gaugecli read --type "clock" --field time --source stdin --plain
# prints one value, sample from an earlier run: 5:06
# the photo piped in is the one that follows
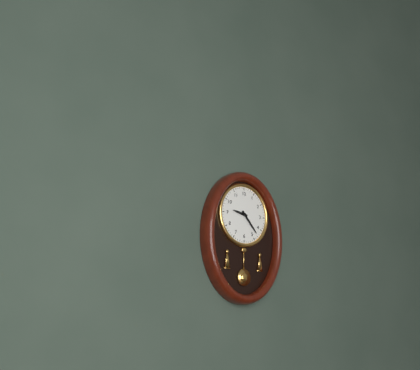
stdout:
9:23
